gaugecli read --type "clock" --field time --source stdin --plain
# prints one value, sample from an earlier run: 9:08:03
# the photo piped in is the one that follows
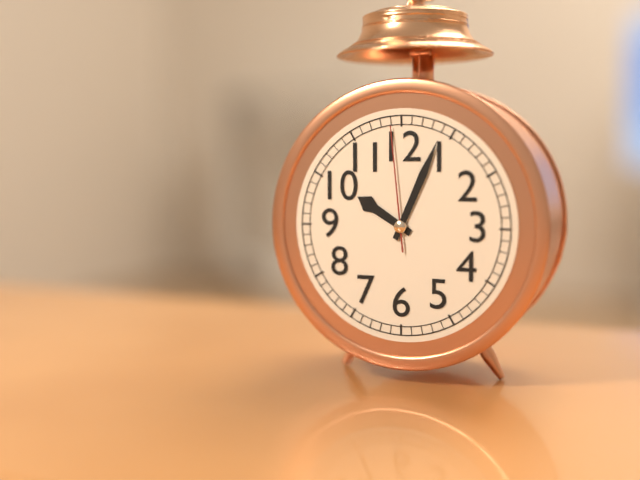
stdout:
10:04:59
